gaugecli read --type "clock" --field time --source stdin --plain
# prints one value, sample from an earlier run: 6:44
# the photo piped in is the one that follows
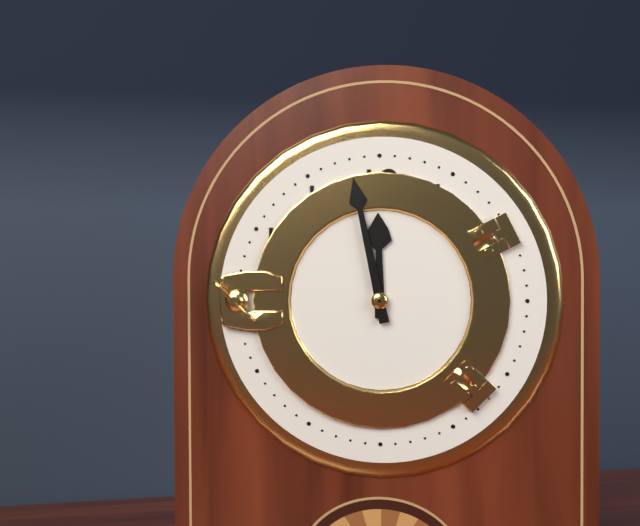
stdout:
11:58
